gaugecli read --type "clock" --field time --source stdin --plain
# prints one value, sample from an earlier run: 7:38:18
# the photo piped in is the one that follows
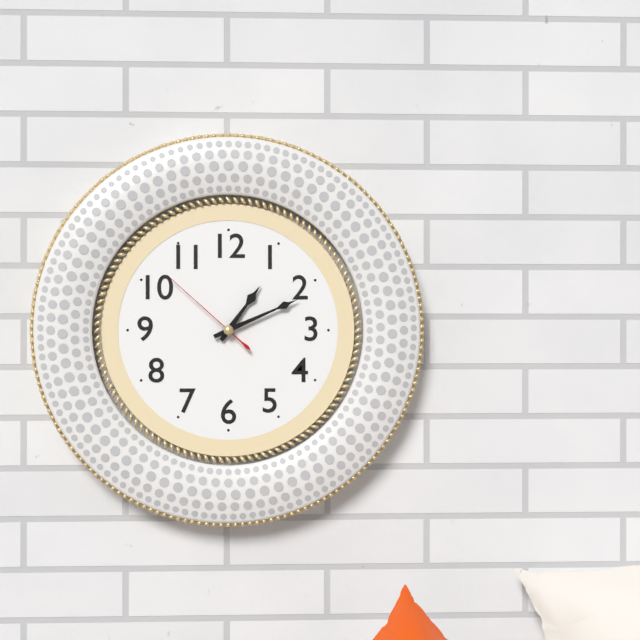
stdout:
1:11:52
